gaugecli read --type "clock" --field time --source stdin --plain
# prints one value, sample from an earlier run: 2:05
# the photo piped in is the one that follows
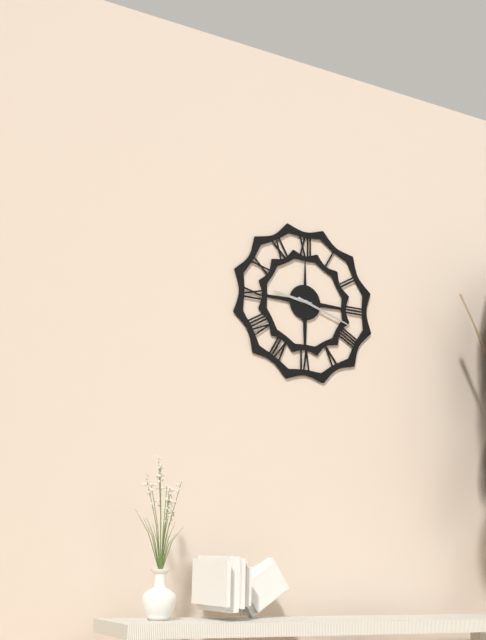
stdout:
9:18
